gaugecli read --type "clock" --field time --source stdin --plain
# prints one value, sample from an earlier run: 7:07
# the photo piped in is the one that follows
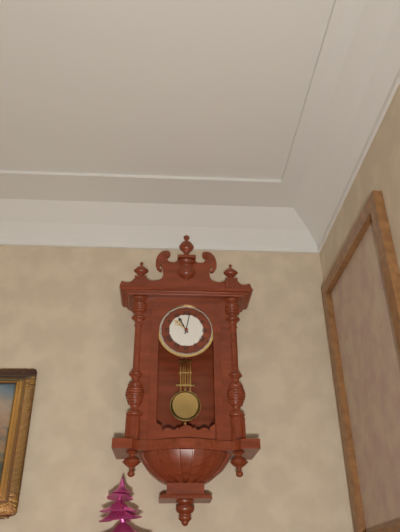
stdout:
11:02
